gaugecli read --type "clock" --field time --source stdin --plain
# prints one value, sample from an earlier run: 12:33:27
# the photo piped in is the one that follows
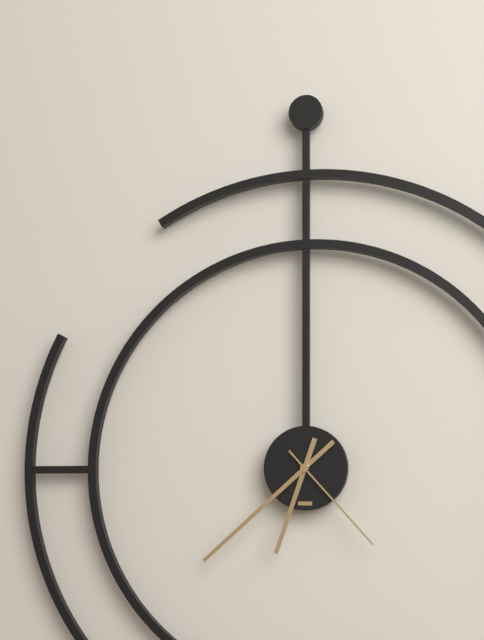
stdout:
6:38:23
